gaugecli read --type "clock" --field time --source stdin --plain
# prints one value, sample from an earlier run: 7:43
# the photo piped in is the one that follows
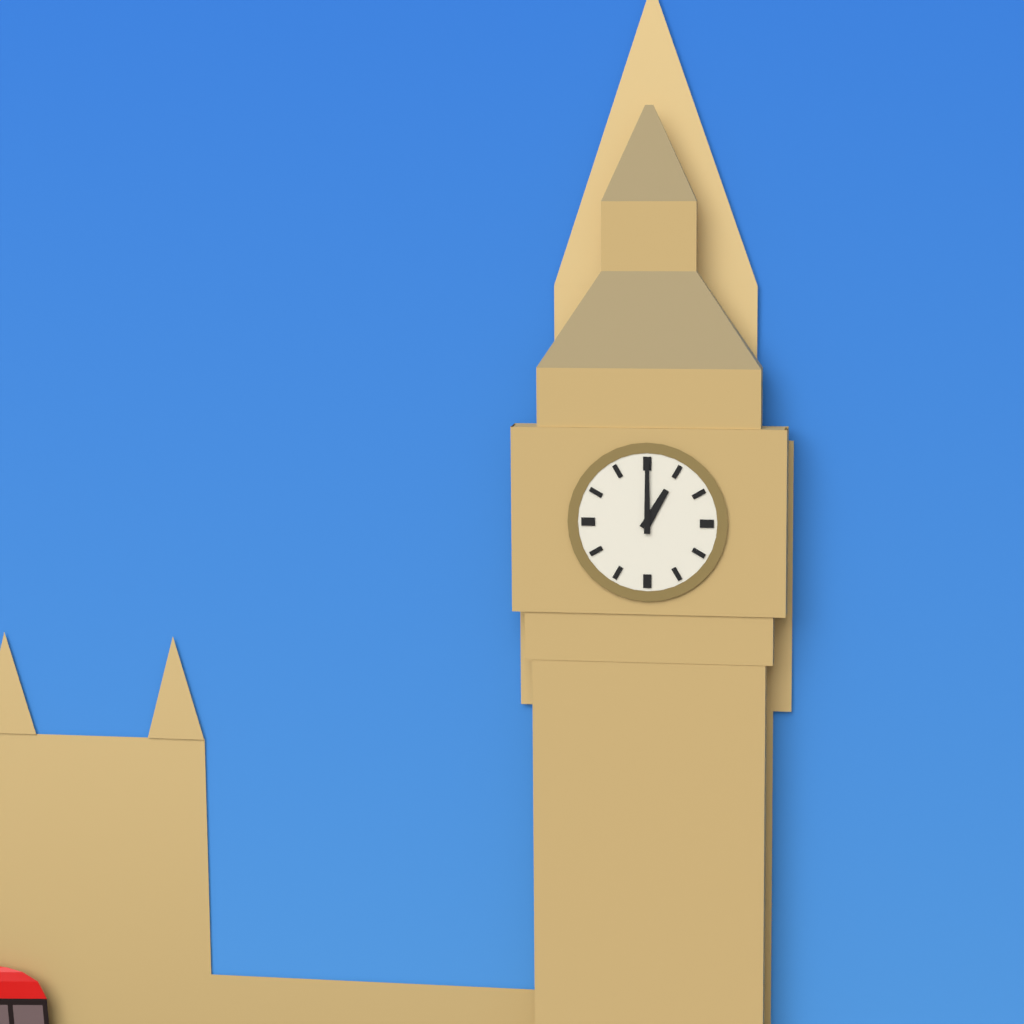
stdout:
1:00
